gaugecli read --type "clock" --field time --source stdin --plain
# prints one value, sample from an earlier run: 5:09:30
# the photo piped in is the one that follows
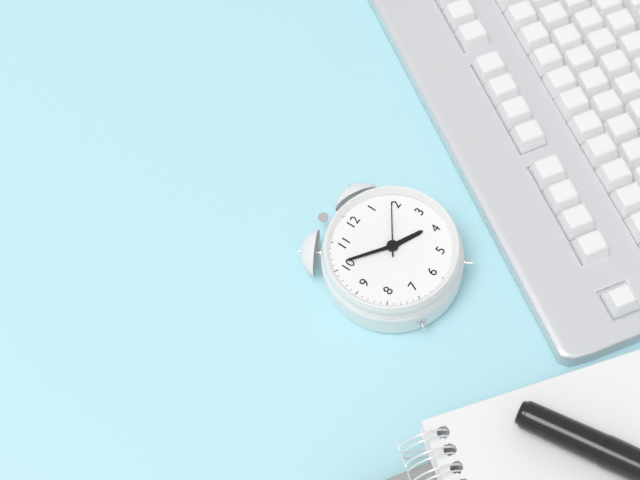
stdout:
3:51:09
